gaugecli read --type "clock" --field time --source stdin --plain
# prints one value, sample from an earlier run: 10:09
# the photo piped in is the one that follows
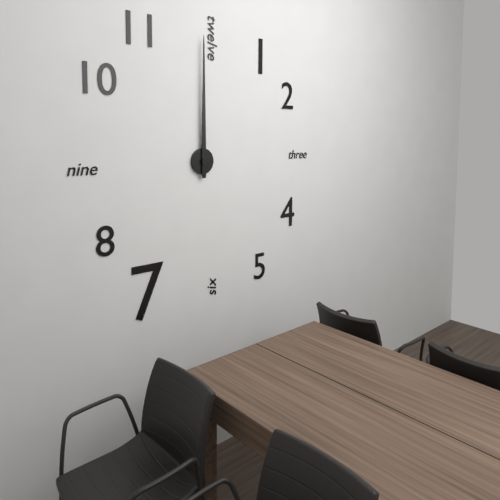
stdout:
12:00
